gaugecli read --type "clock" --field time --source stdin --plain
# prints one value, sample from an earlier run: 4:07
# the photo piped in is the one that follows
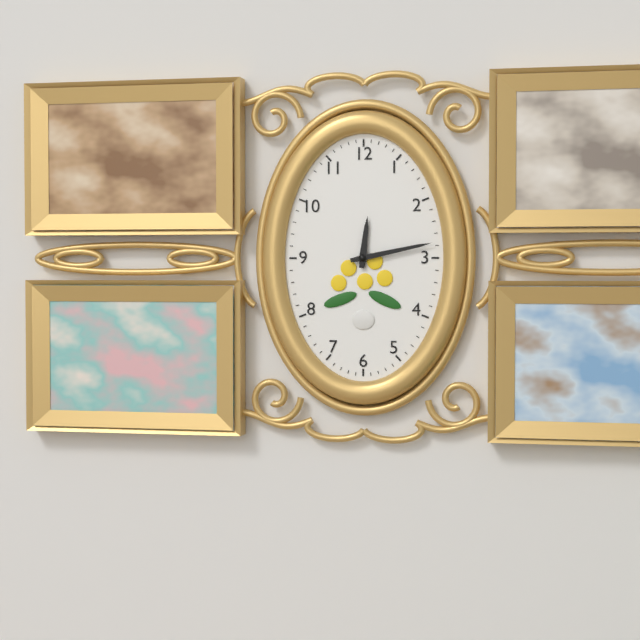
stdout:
12:13
